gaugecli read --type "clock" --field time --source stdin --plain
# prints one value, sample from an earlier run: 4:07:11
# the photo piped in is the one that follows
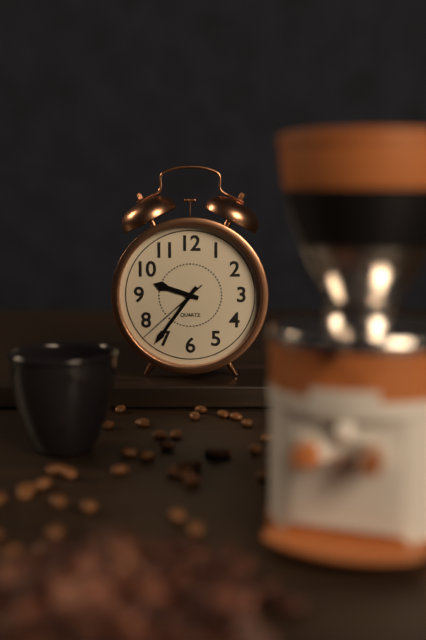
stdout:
9:36:38
